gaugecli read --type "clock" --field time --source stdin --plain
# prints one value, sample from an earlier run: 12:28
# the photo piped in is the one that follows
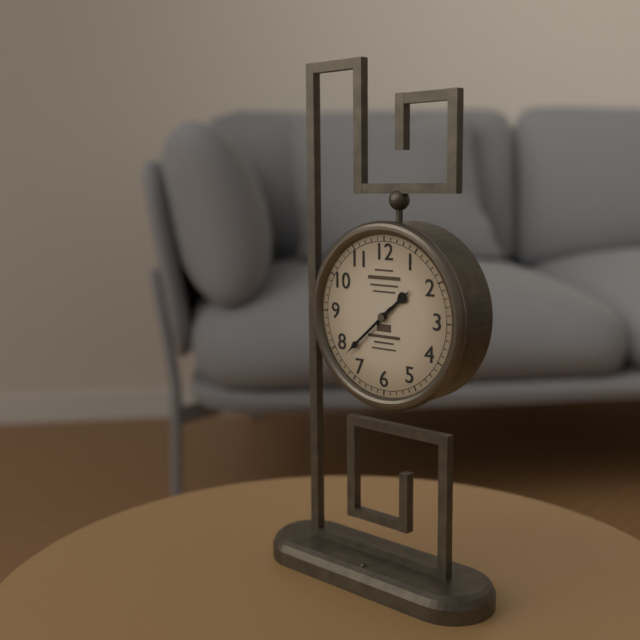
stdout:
1:38
